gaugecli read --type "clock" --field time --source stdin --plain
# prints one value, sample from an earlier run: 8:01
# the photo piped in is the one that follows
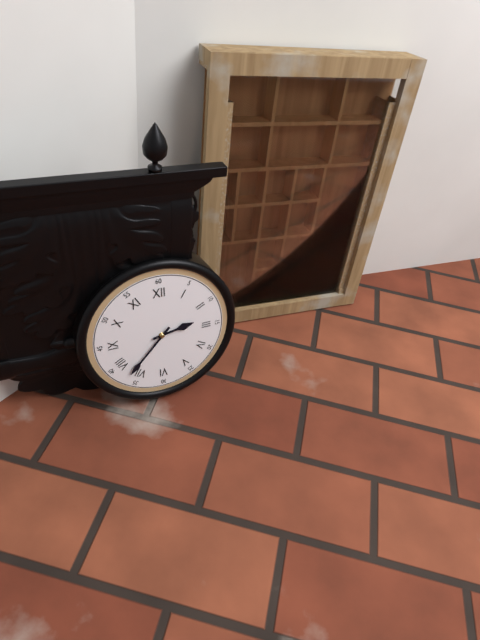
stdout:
2:37
